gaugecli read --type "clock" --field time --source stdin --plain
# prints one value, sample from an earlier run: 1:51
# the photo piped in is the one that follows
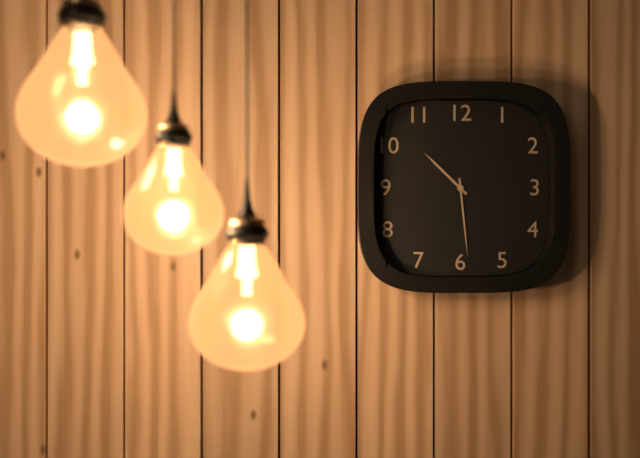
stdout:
10:29
